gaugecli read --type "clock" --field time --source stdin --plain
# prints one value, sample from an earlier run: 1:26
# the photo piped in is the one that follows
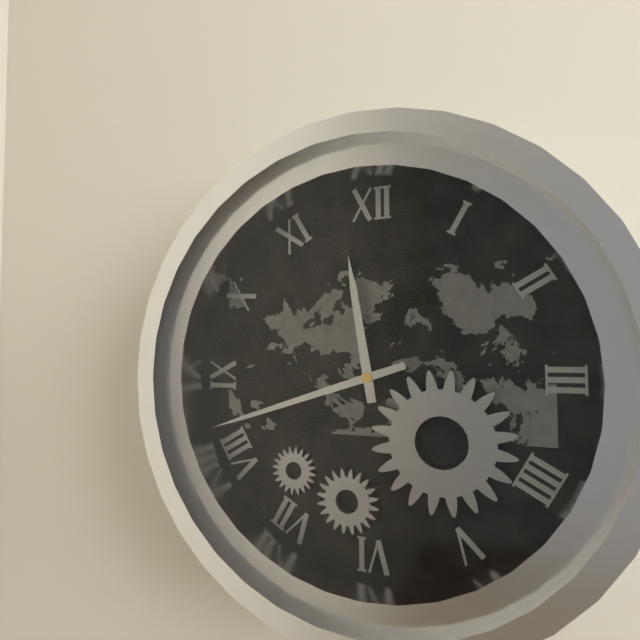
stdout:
11:42
